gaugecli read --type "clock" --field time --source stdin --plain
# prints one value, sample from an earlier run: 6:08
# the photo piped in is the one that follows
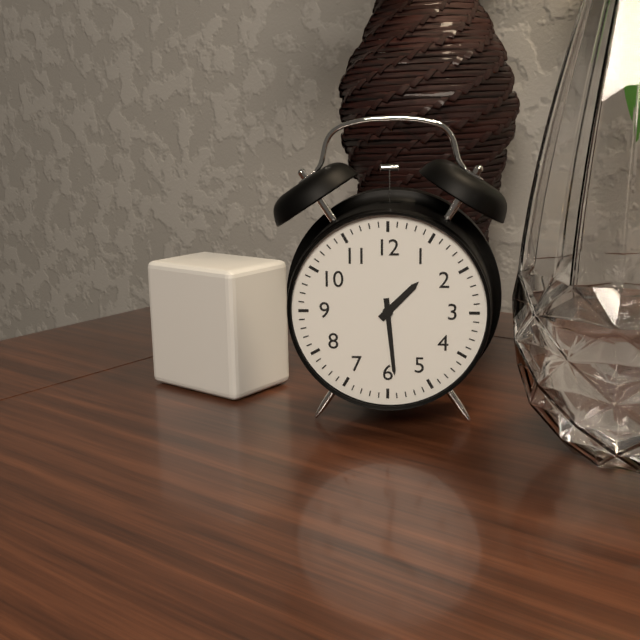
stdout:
1:29
